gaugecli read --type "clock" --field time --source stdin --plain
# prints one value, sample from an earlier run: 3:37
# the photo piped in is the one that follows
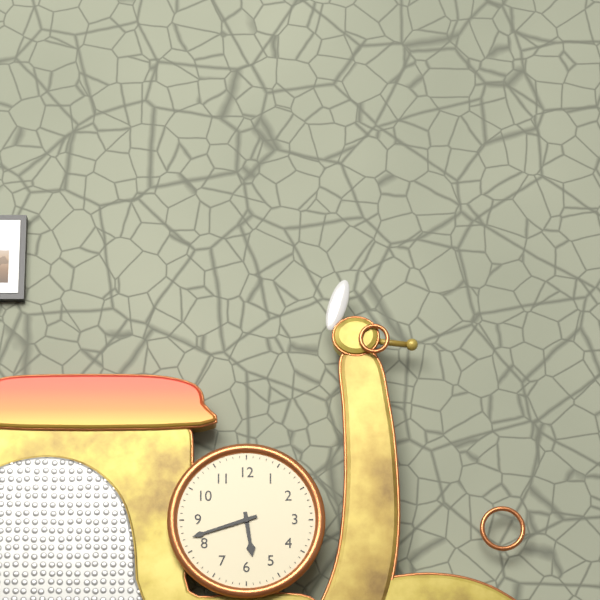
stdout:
5:42
